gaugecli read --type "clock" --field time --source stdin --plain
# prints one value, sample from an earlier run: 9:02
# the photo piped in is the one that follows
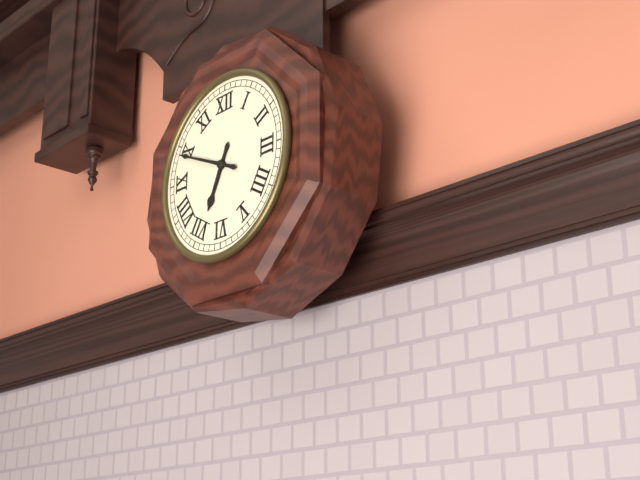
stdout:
6:49
